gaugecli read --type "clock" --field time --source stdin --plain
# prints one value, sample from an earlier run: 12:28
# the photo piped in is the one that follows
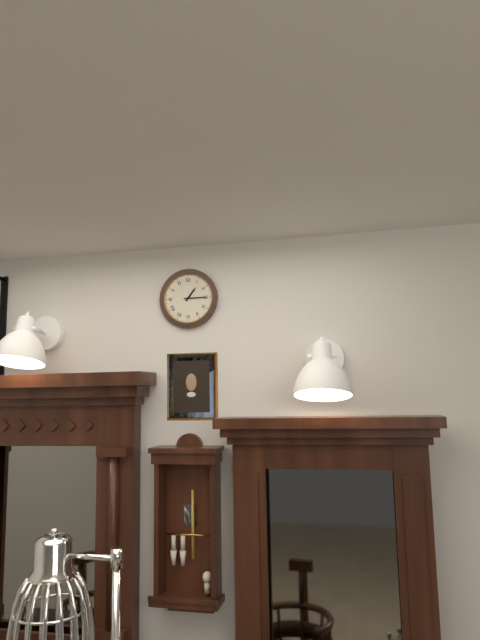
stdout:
1:15
